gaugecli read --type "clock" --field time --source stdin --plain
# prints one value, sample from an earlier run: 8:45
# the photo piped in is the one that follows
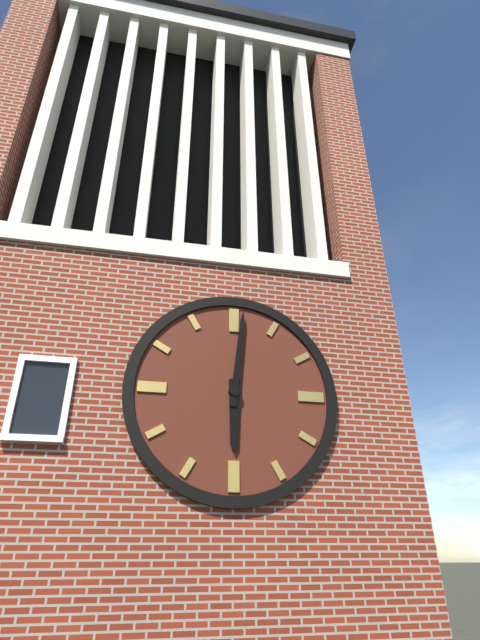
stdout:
6:01
